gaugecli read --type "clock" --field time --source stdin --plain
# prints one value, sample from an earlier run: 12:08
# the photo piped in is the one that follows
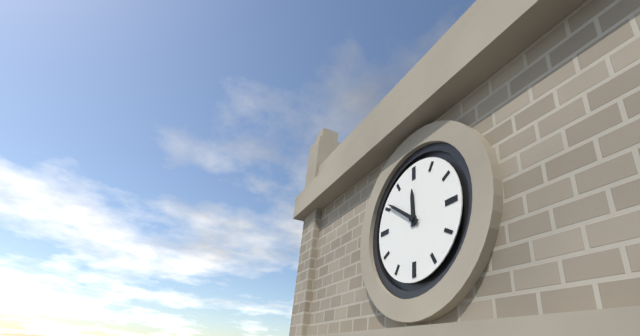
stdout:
11:51
